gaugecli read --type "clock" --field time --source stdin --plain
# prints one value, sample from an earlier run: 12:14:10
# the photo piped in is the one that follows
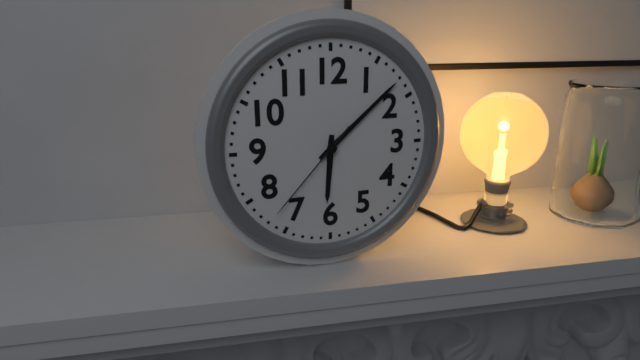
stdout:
6:08:37
